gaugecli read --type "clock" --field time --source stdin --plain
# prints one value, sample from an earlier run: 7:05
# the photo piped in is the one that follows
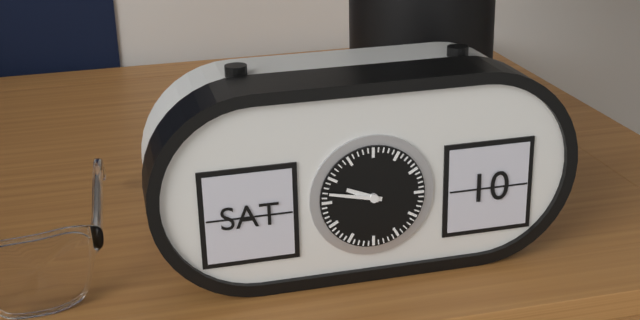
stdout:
9:47
